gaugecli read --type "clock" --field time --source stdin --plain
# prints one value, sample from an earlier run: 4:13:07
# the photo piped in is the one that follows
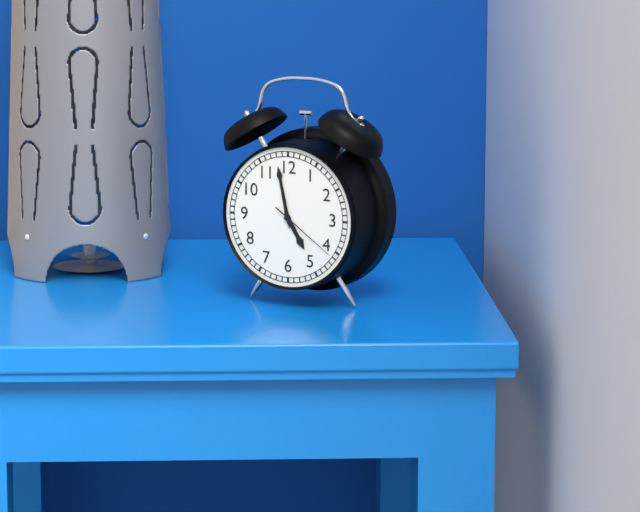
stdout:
4:58:21
